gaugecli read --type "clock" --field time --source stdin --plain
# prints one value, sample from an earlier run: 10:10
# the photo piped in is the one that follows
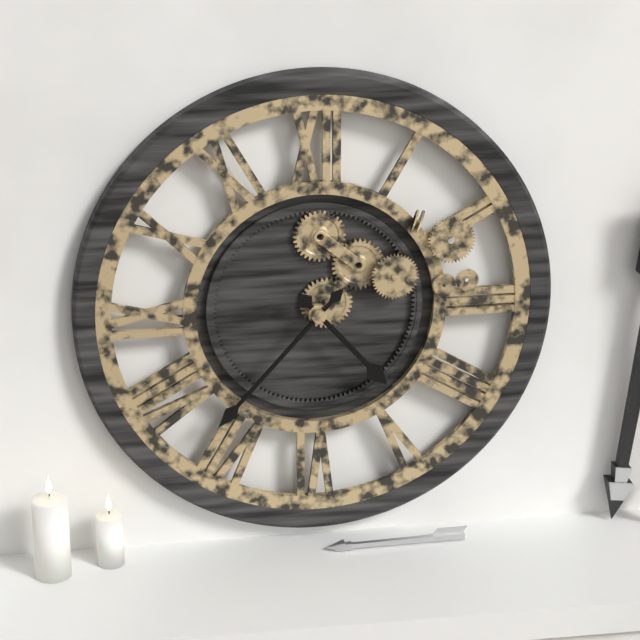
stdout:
4:37
